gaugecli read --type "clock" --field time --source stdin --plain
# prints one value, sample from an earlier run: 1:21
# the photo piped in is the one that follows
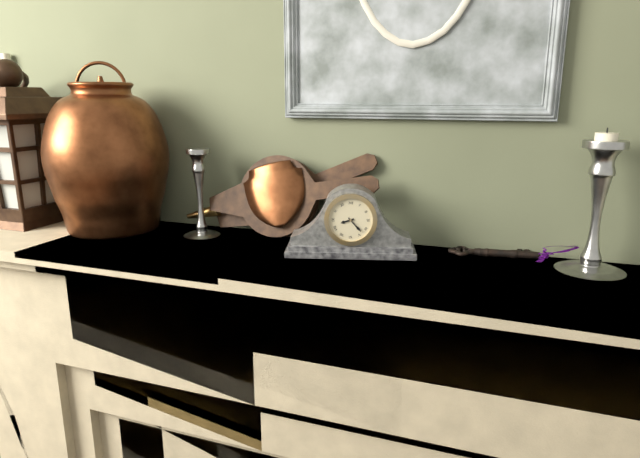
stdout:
8:23
